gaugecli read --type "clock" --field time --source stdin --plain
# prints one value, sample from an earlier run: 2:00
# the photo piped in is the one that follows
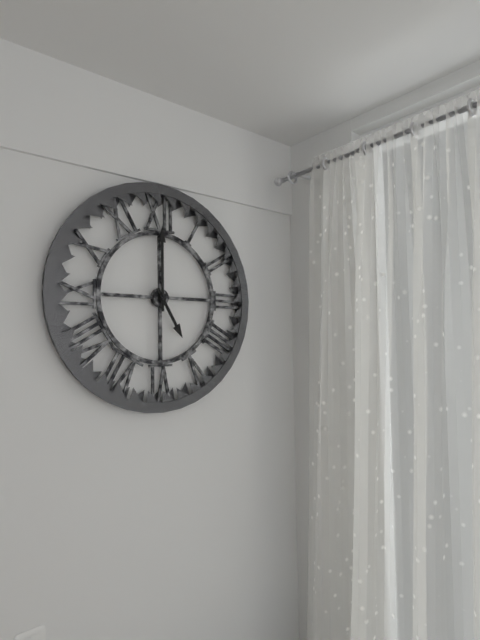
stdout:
5:00
